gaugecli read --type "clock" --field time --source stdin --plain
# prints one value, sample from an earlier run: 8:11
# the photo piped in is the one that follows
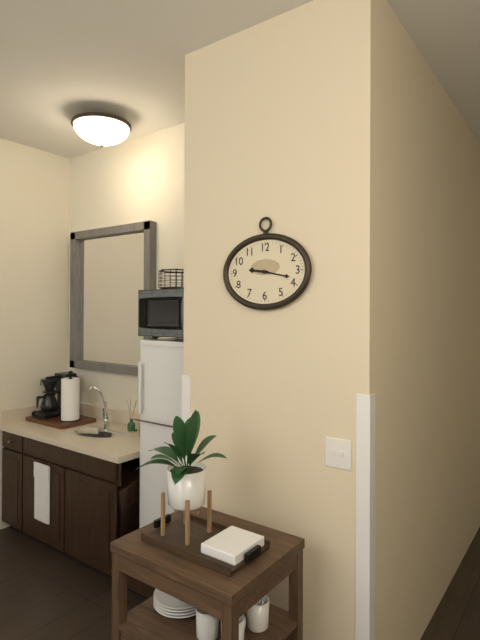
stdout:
9:17
